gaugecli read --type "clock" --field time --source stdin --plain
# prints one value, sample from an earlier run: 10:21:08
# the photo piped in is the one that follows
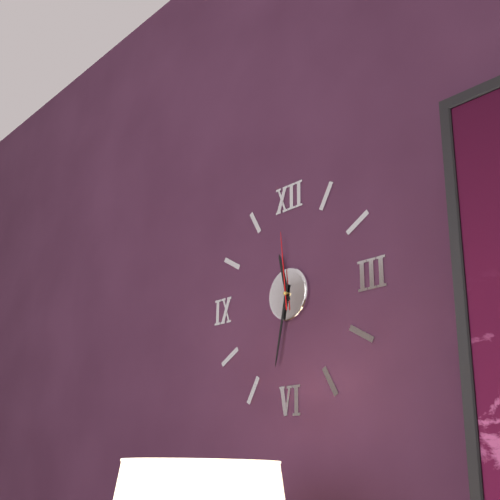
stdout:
11:32:59
